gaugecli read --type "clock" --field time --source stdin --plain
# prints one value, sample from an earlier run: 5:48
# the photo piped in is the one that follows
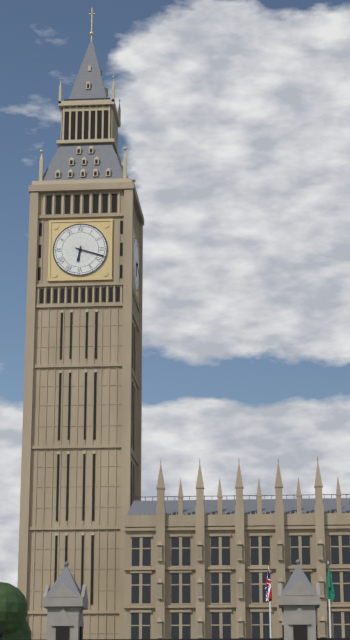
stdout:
6:18
